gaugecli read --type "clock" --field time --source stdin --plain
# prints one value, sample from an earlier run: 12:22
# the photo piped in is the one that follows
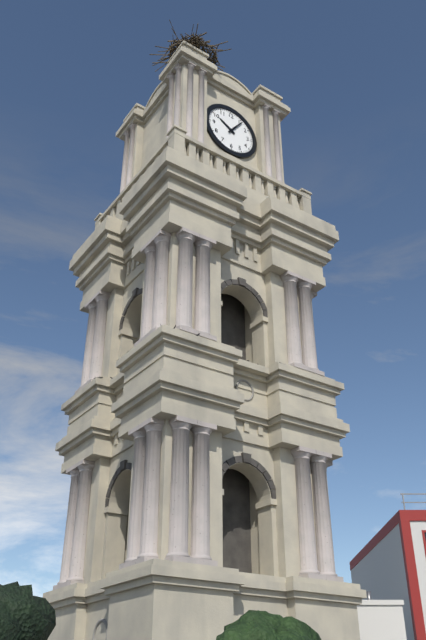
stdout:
10:06
